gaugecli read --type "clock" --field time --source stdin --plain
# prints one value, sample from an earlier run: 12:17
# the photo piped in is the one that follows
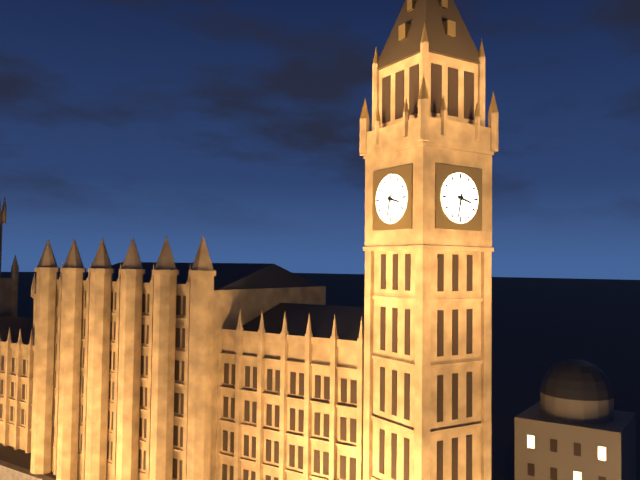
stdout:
3:32
